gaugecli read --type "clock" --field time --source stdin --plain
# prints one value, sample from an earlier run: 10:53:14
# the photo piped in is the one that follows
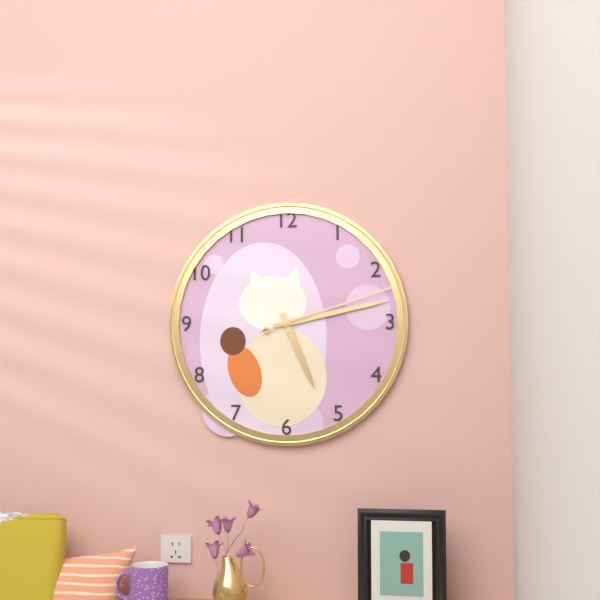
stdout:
5:13:12
